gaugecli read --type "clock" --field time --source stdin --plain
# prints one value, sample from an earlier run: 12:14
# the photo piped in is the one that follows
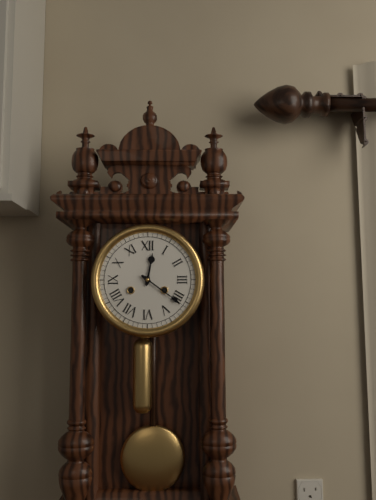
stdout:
12:21
